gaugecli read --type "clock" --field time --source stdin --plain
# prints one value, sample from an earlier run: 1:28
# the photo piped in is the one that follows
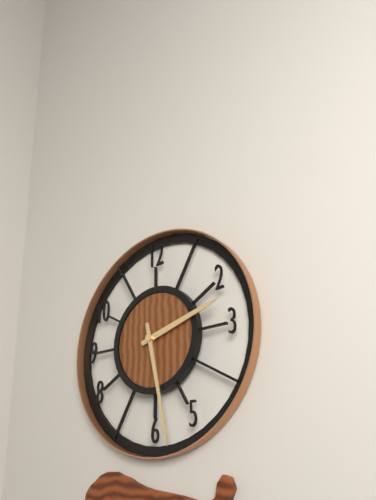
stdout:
2:28
